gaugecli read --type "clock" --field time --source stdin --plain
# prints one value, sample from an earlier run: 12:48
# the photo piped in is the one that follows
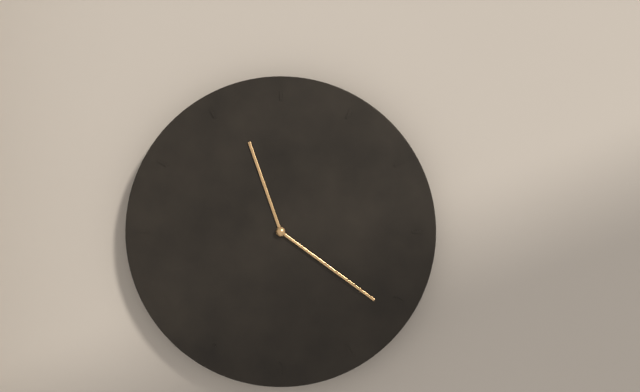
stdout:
11:21
